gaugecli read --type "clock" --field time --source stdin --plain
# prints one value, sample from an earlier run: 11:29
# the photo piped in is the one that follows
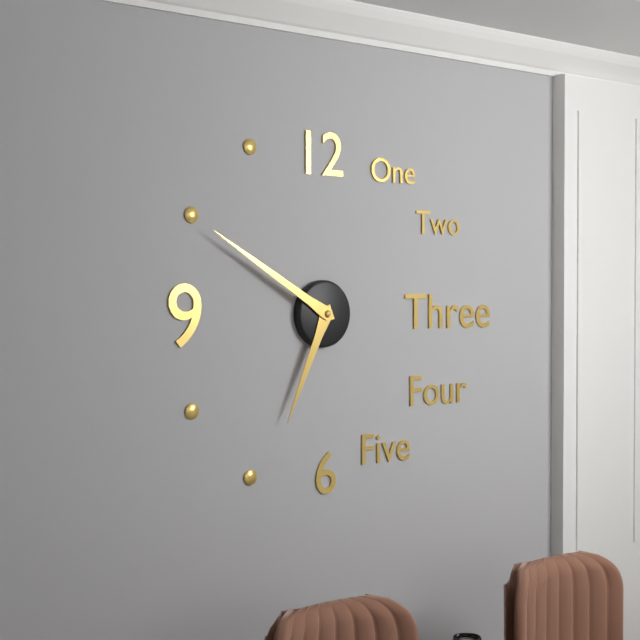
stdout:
6:50
